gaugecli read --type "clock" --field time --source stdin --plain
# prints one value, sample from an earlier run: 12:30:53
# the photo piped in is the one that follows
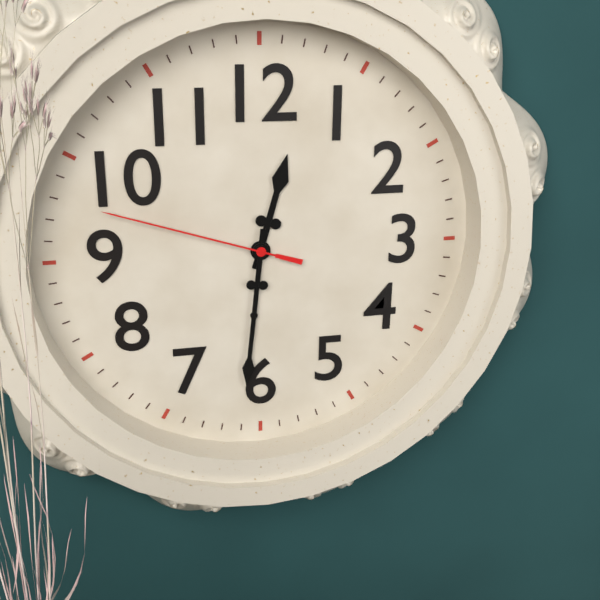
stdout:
12:31:48
